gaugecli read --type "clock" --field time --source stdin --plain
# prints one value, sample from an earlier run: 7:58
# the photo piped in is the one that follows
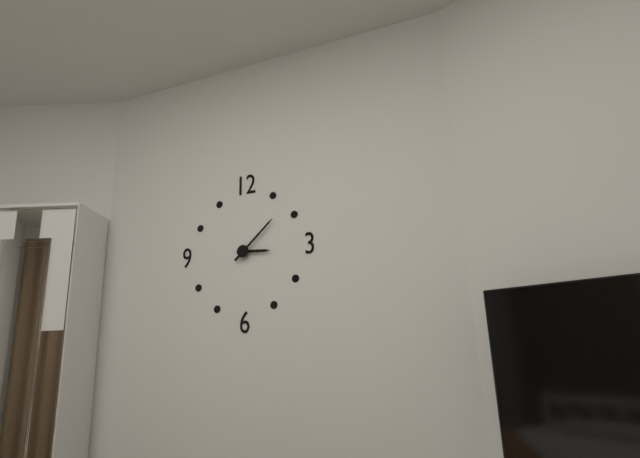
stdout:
3:08
